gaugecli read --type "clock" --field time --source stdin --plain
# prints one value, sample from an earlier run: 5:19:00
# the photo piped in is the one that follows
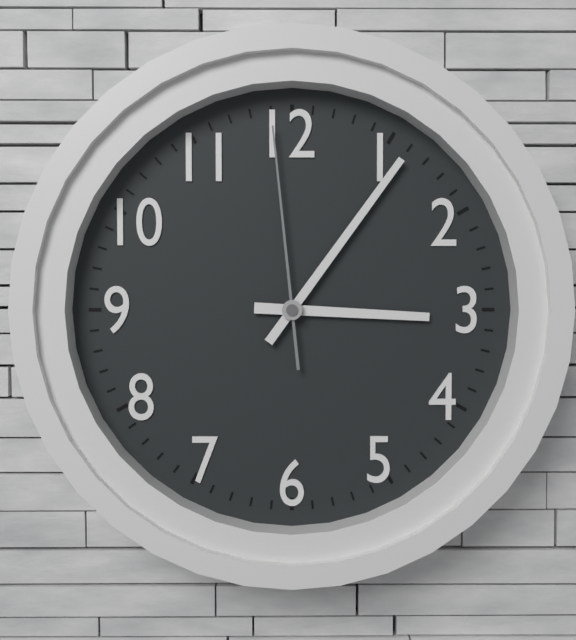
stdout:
3:06:59
